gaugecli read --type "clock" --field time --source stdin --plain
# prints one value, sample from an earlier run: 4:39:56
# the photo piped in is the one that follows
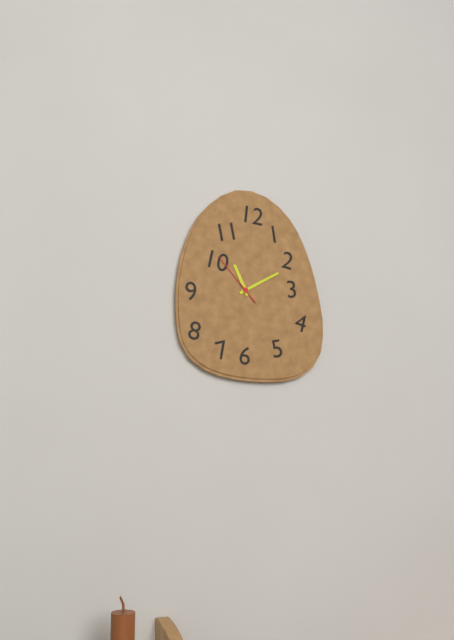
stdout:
11:10:53
